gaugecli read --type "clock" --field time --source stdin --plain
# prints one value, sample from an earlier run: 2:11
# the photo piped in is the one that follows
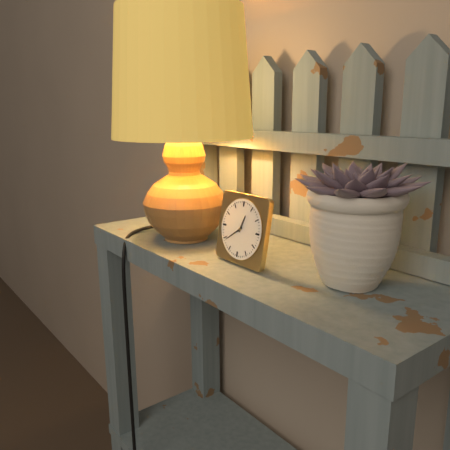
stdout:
12:39
